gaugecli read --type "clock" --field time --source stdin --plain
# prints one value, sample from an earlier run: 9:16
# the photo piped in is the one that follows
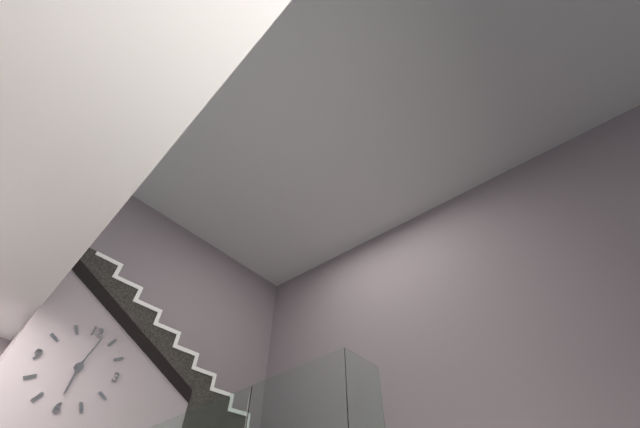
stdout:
6:02
